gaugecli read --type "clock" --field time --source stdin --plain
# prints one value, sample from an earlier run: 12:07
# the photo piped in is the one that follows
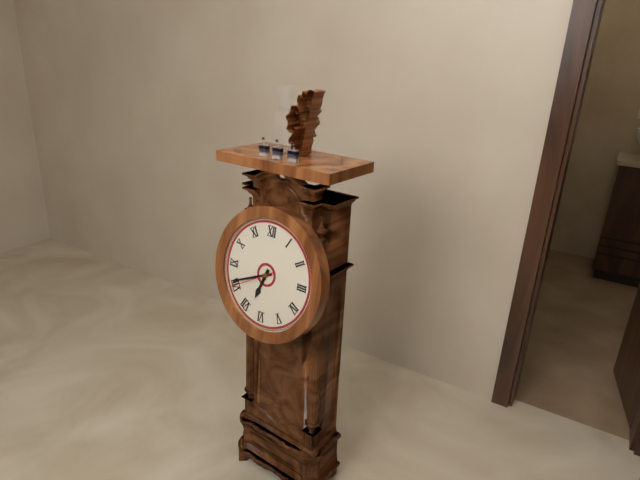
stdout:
6:41
